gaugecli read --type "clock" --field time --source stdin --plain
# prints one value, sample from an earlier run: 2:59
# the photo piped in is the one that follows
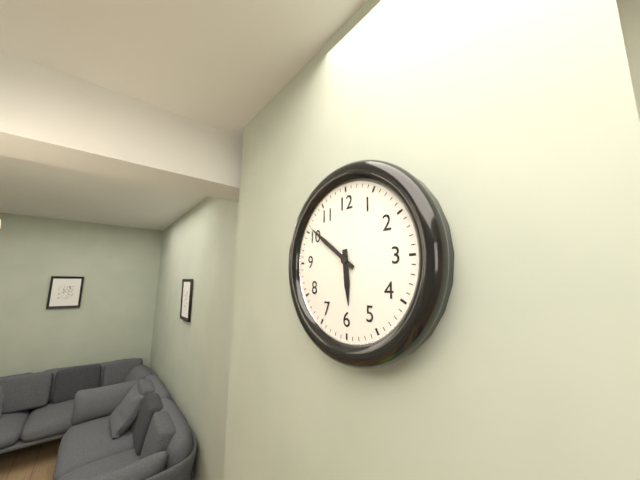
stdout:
5:51
